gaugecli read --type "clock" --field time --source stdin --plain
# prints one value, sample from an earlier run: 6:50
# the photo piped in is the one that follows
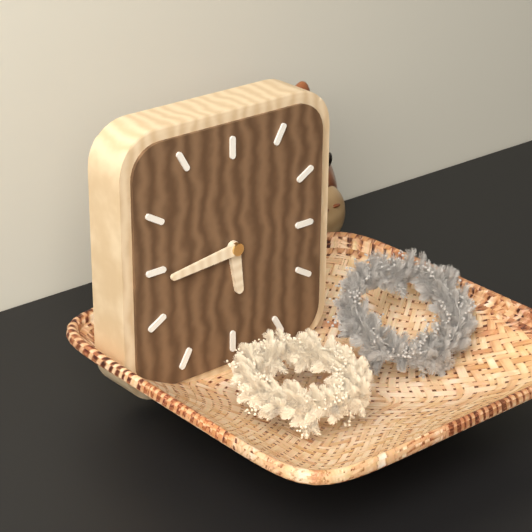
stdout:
5:44
